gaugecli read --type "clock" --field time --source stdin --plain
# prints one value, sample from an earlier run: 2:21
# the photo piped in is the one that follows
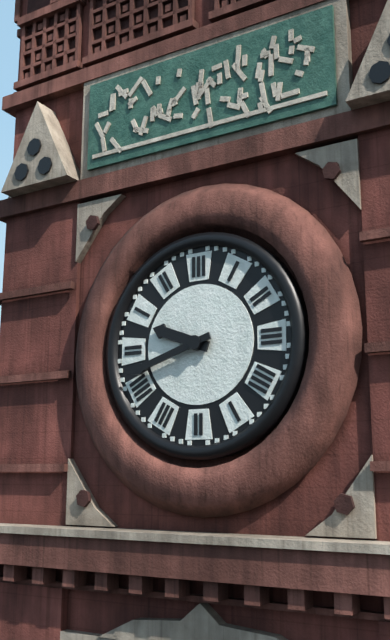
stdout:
9:42
